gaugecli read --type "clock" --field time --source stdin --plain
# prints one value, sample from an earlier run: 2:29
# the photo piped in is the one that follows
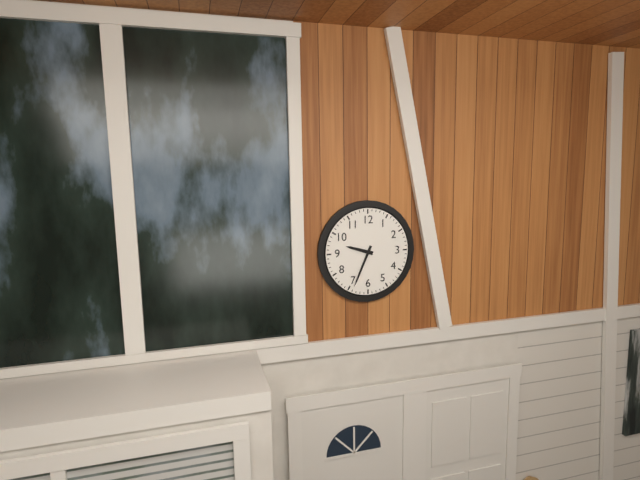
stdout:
9:34
